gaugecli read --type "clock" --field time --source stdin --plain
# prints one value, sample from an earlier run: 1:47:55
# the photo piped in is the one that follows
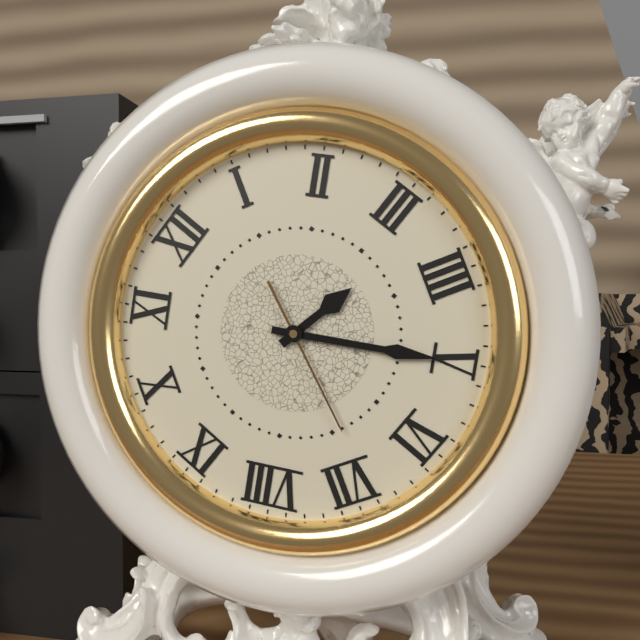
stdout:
3:25:34
